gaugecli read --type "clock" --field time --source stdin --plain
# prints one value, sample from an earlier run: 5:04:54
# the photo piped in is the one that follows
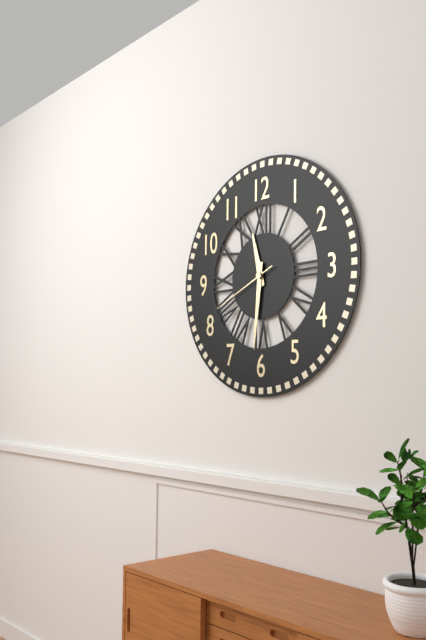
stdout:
11:31:41
